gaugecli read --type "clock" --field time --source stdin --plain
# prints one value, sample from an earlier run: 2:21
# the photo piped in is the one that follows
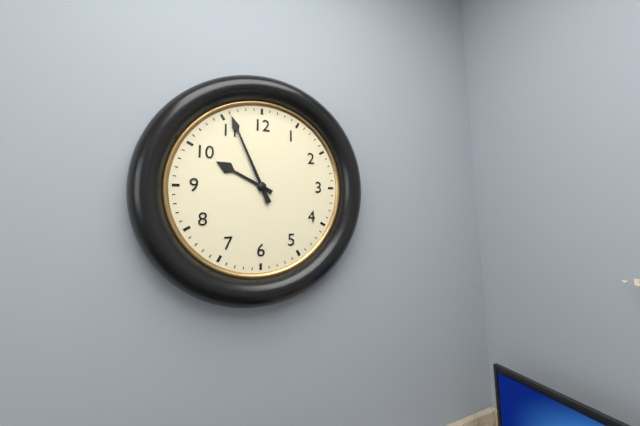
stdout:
9:56
